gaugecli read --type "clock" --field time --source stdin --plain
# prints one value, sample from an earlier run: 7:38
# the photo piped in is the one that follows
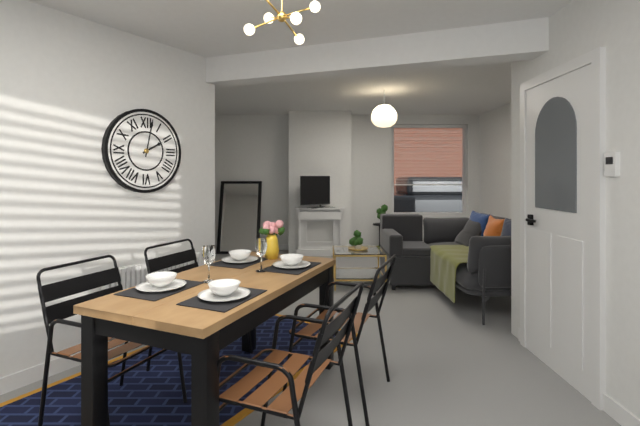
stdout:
2:02
